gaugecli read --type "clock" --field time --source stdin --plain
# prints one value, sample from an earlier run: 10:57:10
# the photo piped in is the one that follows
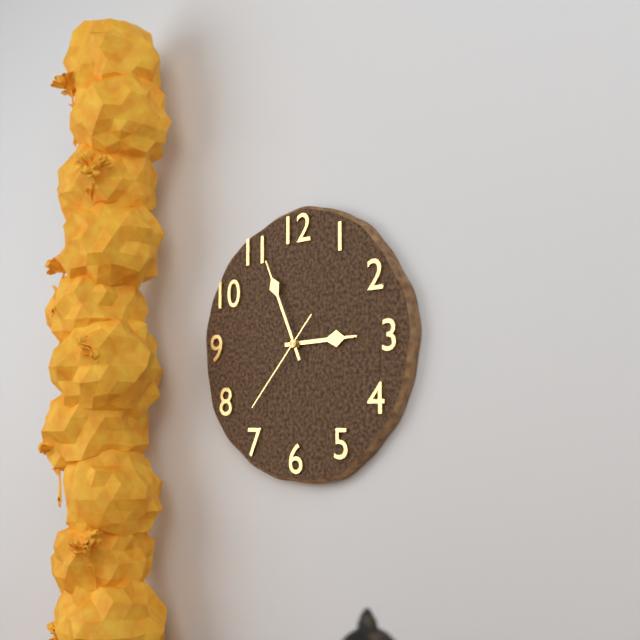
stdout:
2:56:37
